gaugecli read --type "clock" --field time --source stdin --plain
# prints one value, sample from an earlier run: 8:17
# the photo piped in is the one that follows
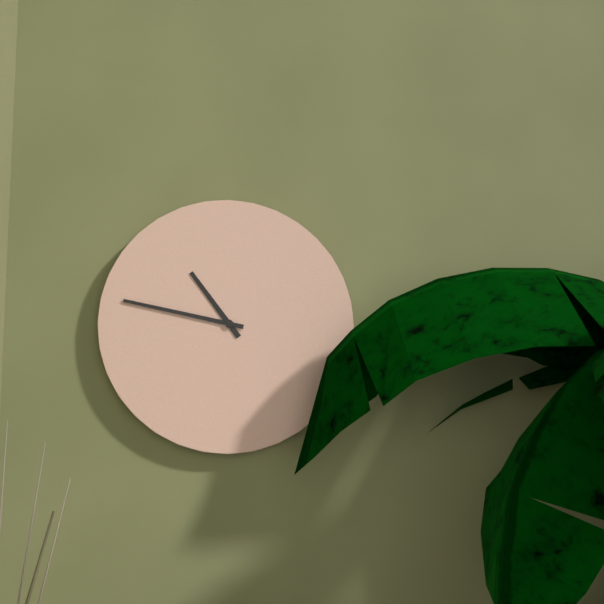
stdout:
10:47
